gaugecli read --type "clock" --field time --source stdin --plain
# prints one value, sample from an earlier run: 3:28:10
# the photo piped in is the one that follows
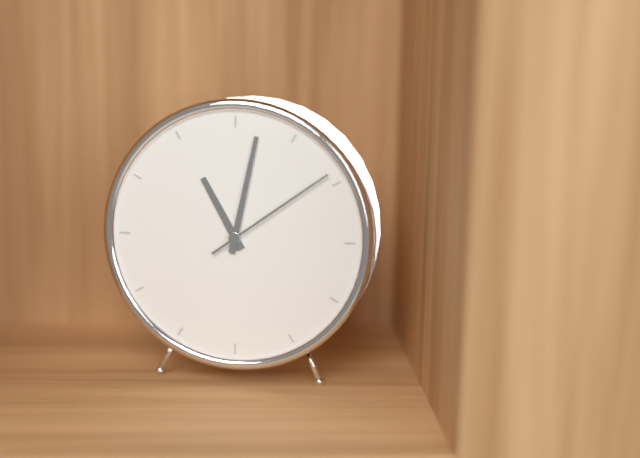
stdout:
11:02:09
